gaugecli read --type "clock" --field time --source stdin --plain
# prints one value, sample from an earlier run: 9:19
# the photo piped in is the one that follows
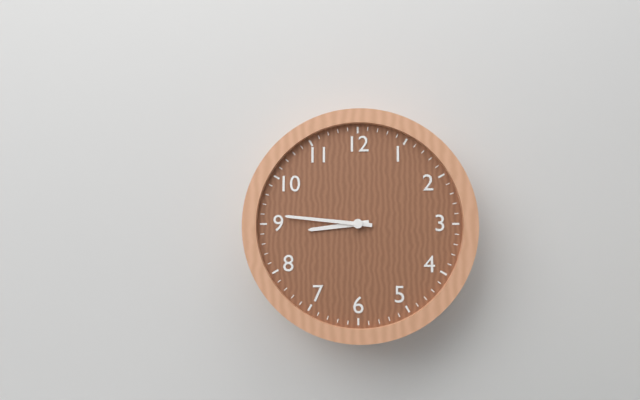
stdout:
8:46
